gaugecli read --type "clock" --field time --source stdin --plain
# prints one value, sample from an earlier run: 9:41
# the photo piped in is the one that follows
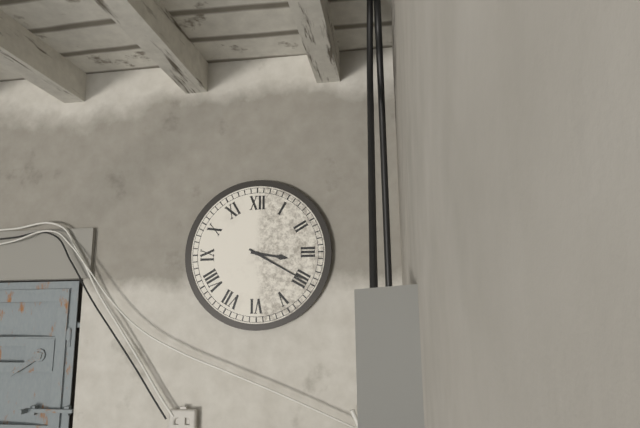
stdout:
3:20
